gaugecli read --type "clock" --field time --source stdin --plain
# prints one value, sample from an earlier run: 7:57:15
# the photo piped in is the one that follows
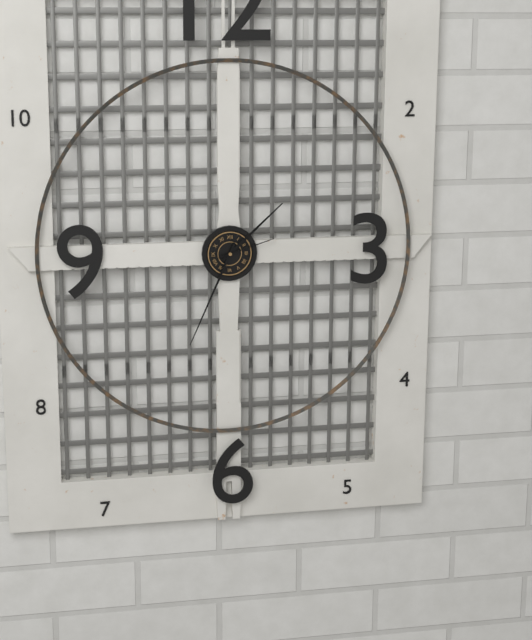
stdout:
1:34:12
